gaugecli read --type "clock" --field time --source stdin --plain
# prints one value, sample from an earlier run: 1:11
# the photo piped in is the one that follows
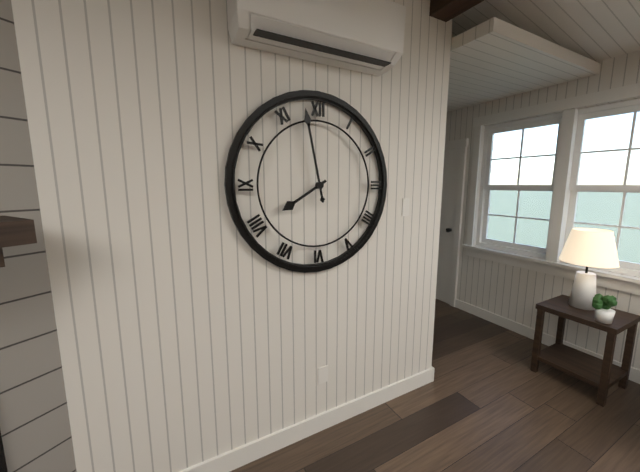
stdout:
7:58
